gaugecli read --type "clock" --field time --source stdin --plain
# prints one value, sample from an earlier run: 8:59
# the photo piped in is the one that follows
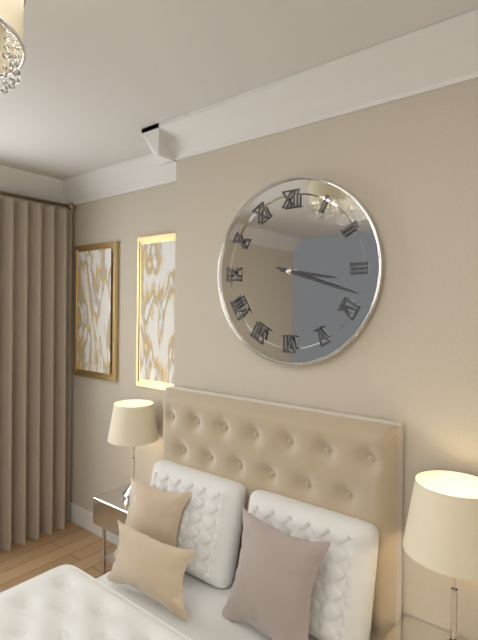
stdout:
3:18
